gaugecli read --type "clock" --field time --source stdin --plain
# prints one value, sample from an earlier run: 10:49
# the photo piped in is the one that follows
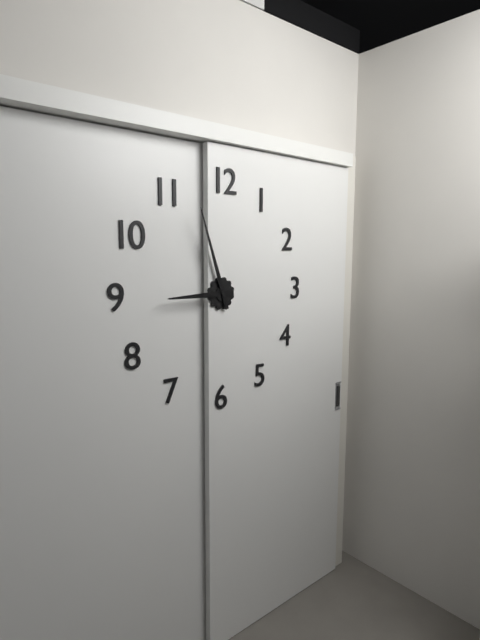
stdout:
8:57
